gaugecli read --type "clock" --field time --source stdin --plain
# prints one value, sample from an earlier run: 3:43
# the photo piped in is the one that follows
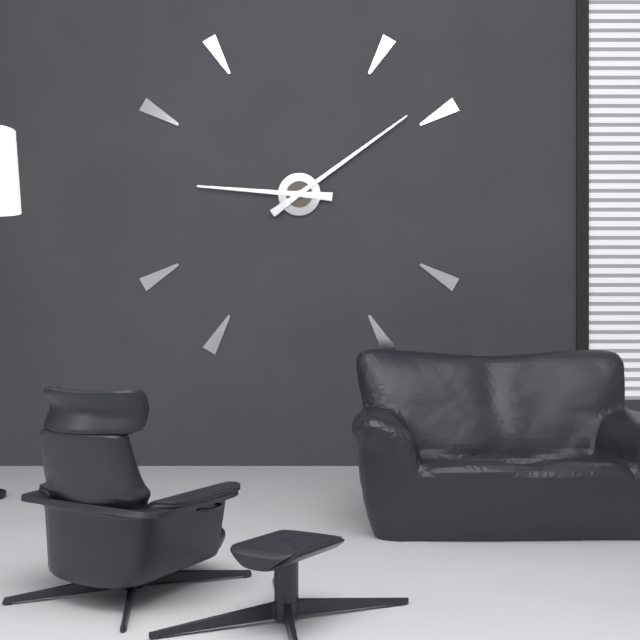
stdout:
9:09
